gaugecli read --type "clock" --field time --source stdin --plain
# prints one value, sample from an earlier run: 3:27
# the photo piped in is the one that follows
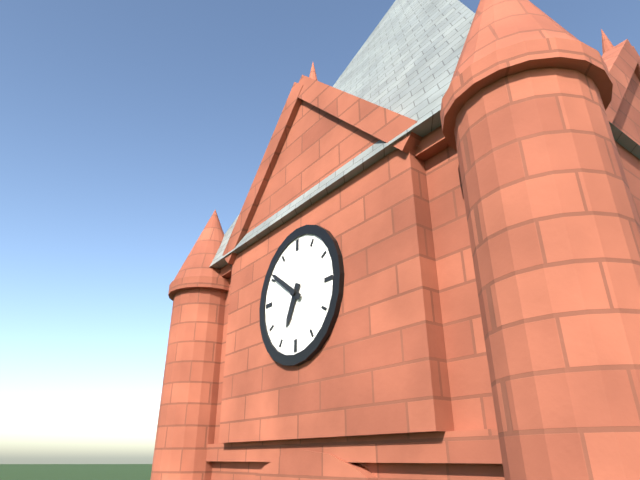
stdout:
6:51
